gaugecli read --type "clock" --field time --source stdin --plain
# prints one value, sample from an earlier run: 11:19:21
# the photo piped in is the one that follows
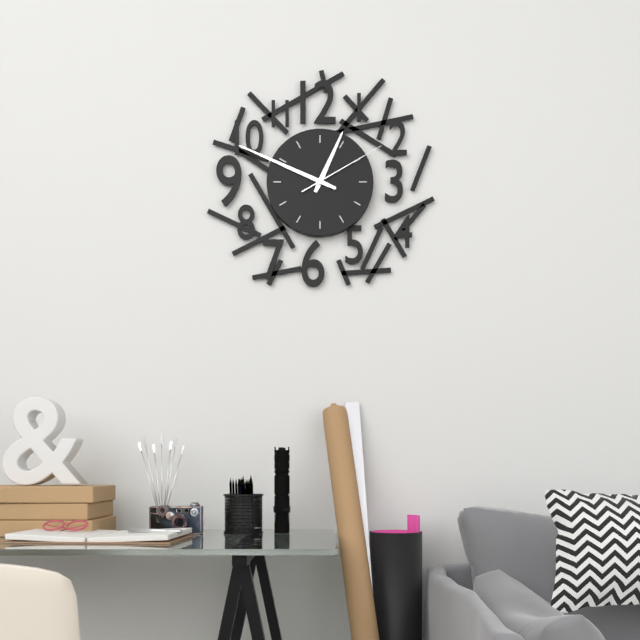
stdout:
12:49:10
